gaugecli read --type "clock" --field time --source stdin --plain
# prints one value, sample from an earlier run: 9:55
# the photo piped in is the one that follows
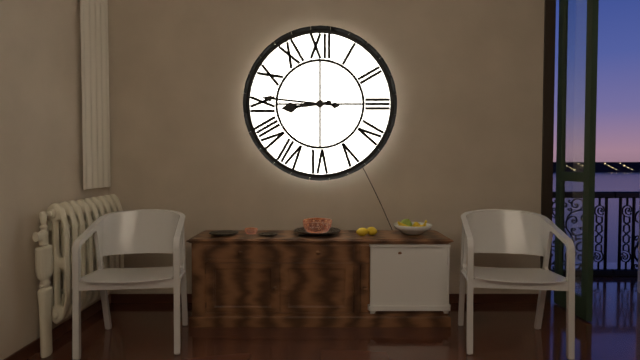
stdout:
8:46
